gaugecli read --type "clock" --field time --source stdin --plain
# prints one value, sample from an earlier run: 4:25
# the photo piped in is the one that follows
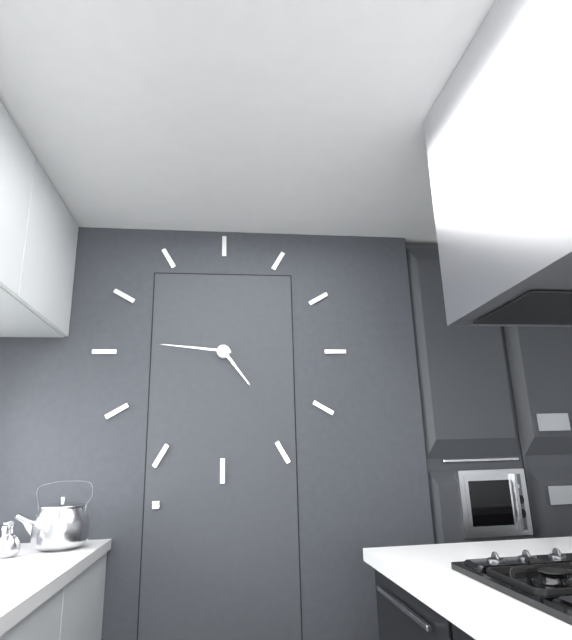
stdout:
4:46
